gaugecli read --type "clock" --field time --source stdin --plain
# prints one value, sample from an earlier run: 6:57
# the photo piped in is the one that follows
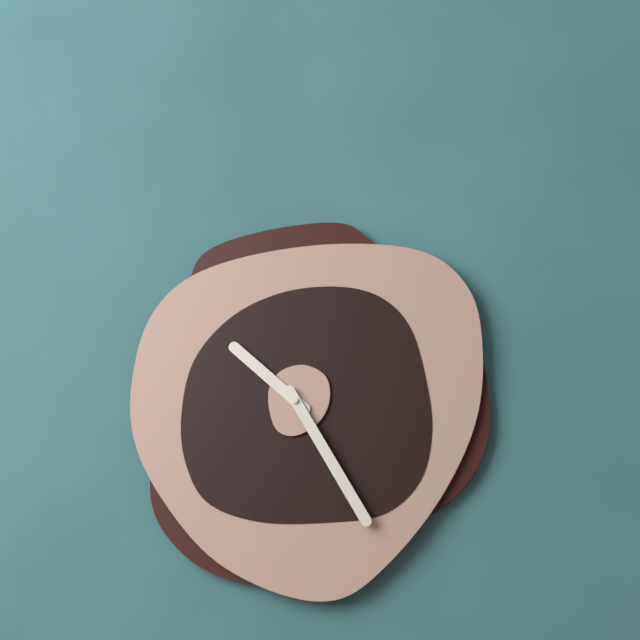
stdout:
10:25
